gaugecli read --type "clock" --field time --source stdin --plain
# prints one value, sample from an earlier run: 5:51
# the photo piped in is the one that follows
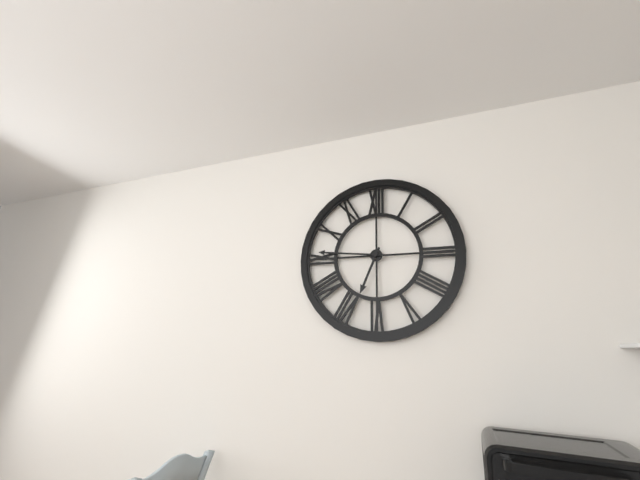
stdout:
6:46
